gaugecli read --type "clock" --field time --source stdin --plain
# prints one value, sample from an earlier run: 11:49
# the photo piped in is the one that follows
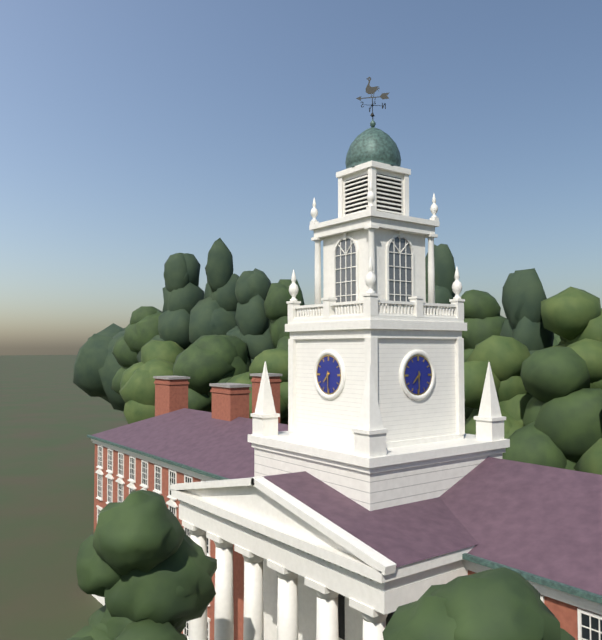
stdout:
7:30
